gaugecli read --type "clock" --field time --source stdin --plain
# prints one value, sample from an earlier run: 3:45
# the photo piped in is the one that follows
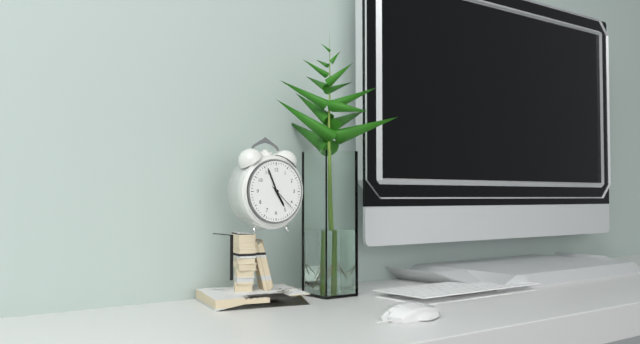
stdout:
4:56
